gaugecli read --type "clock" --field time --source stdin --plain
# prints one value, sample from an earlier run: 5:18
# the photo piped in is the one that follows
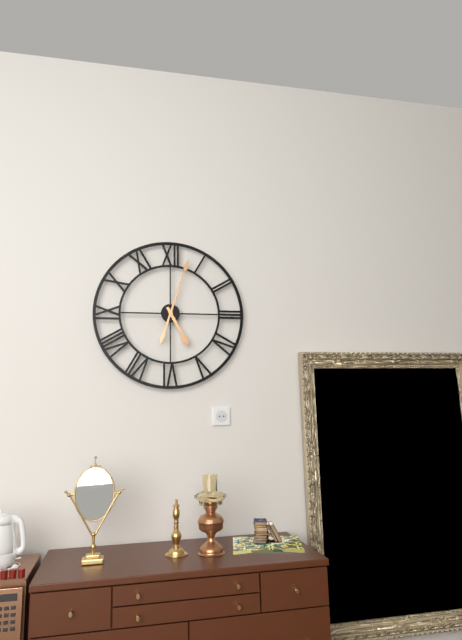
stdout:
5:03
